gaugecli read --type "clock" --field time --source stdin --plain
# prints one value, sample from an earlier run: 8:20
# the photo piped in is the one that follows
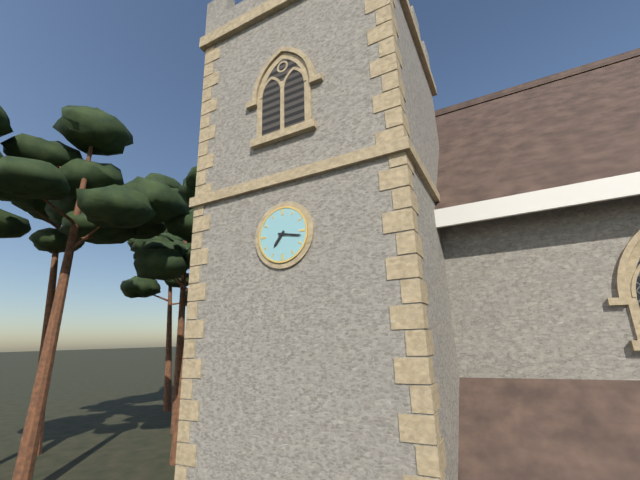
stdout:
7:17
